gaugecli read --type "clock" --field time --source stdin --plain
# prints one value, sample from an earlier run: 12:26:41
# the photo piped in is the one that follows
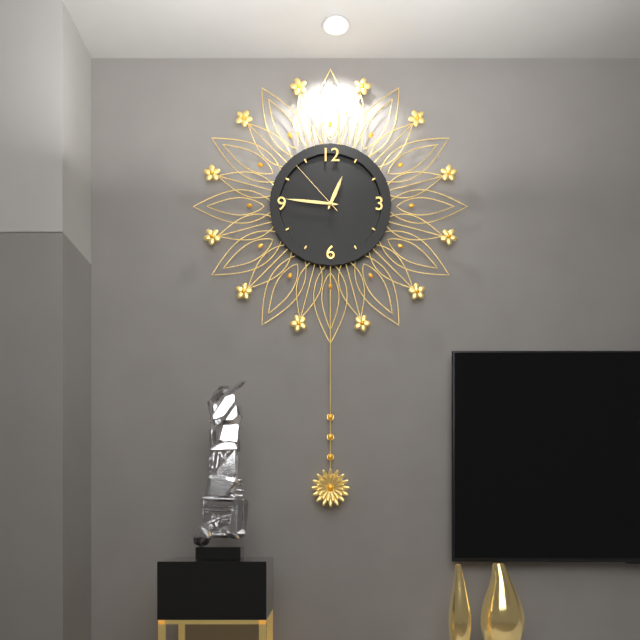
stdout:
12:46:53
